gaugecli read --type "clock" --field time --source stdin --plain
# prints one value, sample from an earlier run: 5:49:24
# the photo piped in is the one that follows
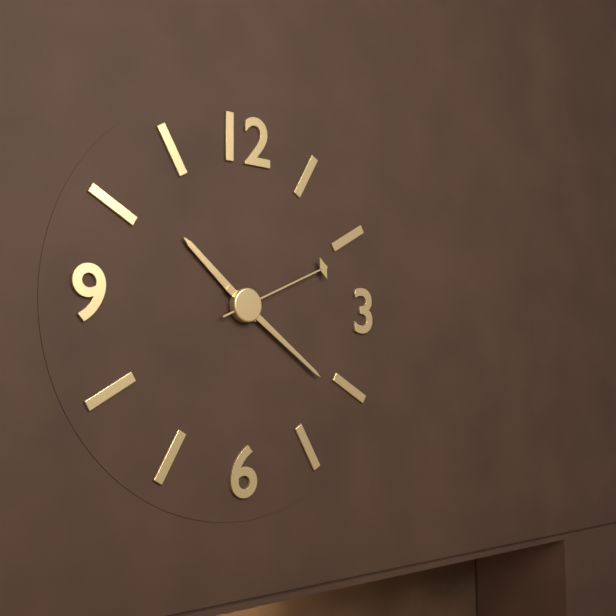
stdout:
10:21:11
